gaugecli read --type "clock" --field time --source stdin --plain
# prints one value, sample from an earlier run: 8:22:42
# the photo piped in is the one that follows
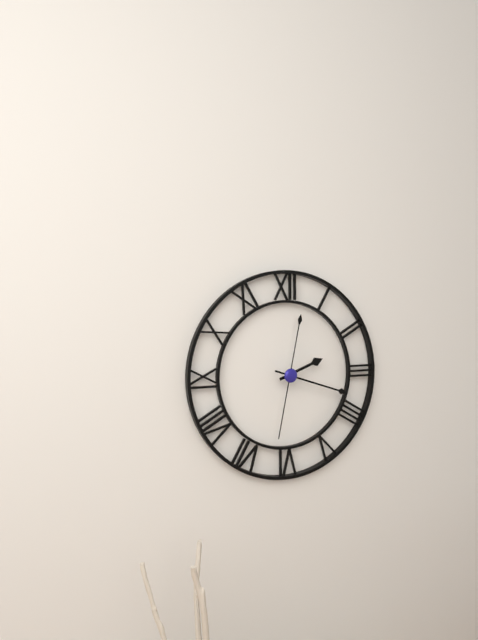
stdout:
2:18:32
